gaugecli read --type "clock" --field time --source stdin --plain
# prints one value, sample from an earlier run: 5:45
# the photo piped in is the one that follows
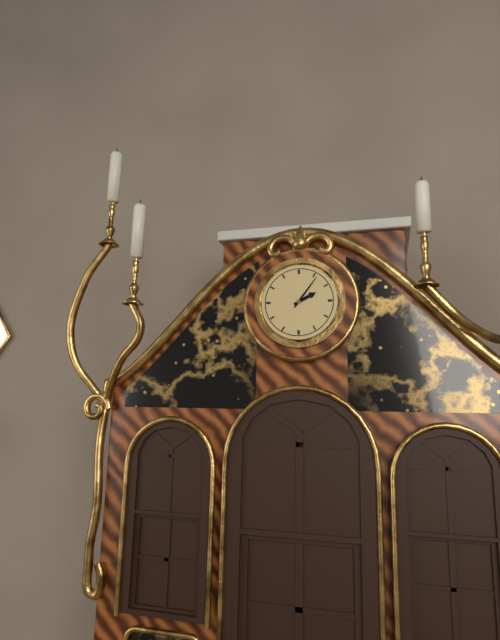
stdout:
2:06
